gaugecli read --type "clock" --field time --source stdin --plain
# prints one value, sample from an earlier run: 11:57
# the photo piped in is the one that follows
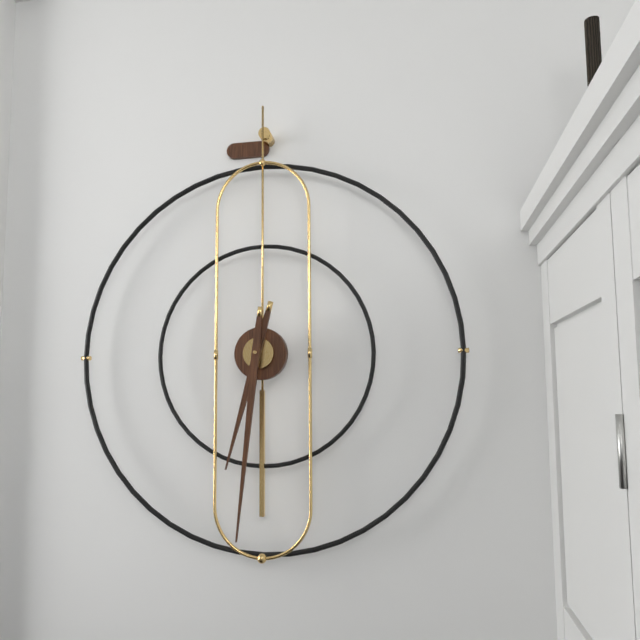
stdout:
6:31
